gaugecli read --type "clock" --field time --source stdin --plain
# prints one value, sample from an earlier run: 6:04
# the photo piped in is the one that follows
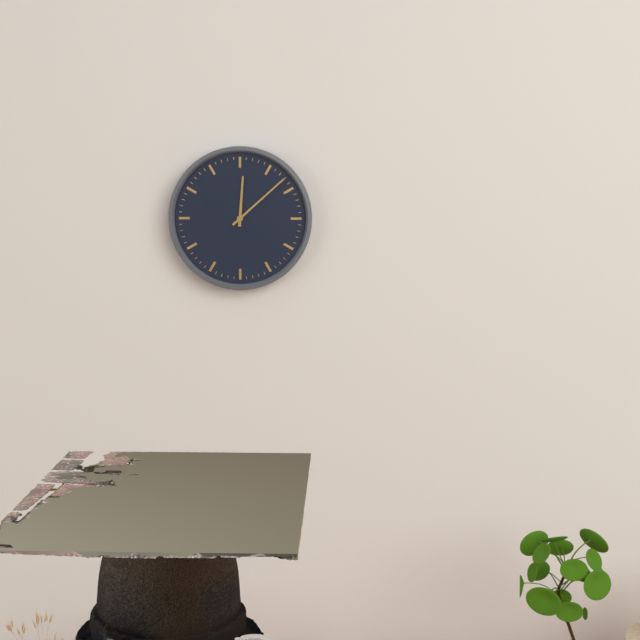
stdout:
12:08
